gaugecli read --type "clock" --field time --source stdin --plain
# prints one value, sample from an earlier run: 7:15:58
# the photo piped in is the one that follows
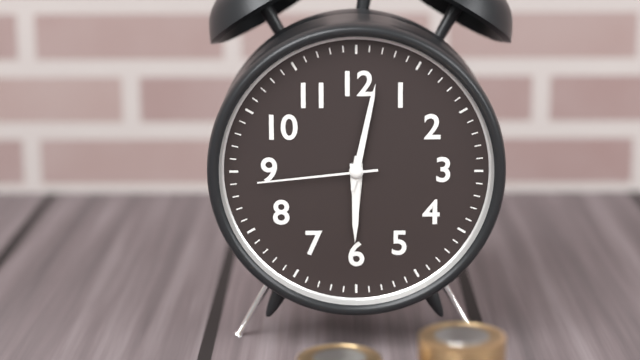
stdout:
6:02:44
